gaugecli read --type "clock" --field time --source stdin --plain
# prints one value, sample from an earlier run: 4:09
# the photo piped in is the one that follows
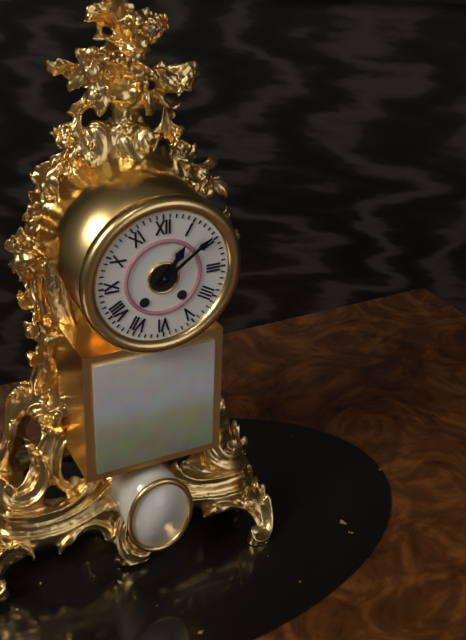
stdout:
1:09
